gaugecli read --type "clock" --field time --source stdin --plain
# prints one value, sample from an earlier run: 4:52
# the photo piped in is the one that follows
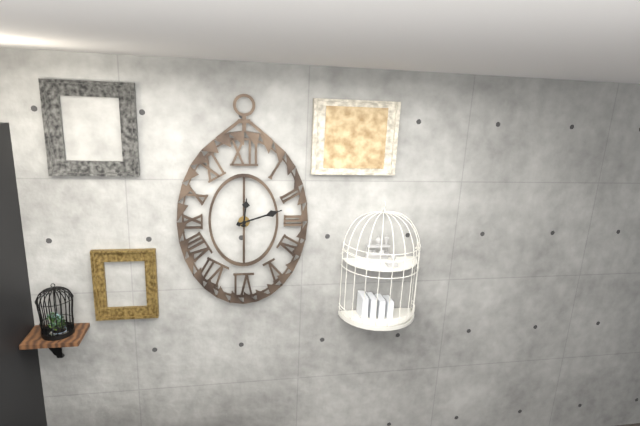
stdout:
12:12
